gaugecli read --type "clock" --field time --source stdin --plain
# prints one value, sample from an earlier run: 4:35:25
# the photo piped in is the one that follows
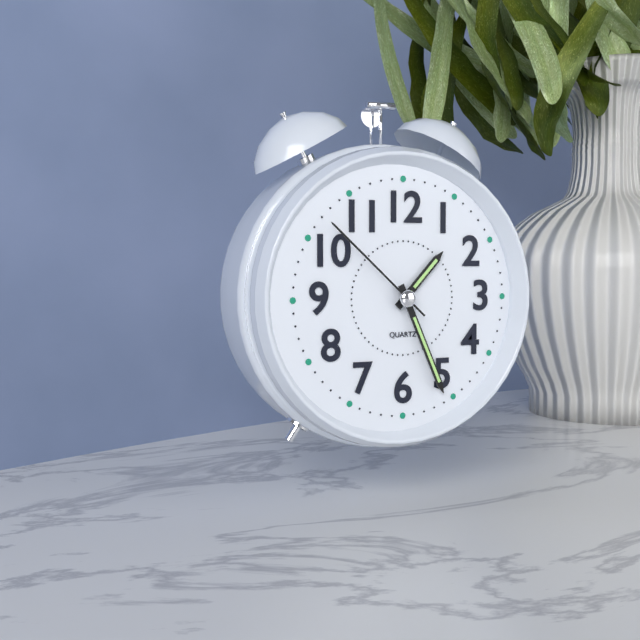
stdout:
1:26:52
